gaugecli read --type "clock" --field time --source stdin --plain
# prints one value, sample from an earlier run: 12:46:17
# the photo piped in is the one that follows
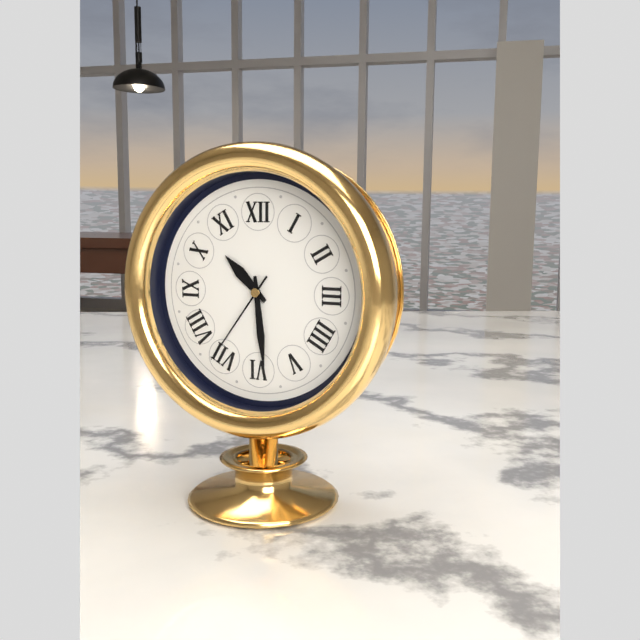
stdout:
10:29:36
